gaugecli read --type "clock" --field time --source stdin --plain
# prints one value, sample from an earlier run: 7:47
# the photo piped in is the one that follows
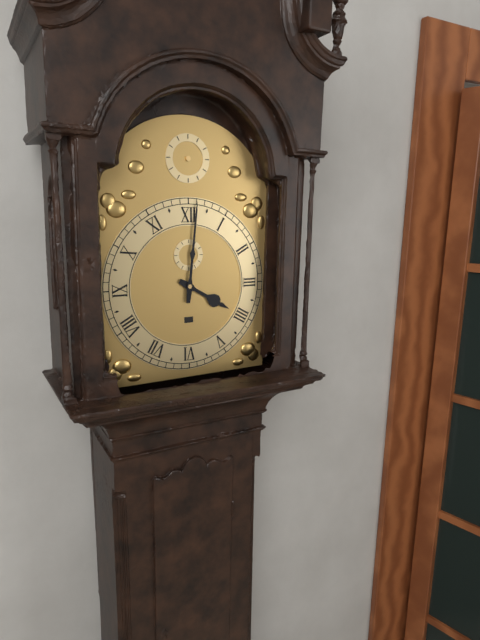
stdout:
4:01
